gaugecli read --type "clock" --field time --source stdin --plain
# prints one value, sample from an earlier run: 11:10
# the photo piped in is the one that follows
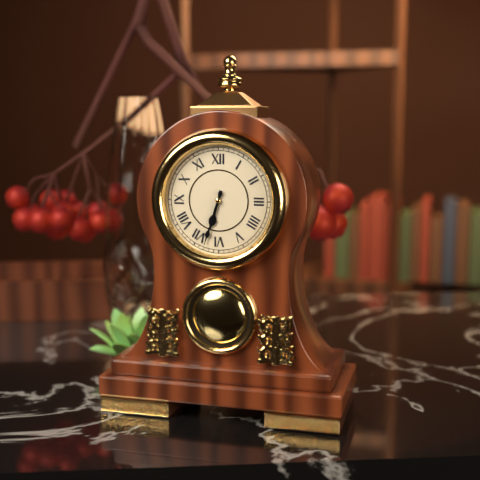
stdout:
6:33
